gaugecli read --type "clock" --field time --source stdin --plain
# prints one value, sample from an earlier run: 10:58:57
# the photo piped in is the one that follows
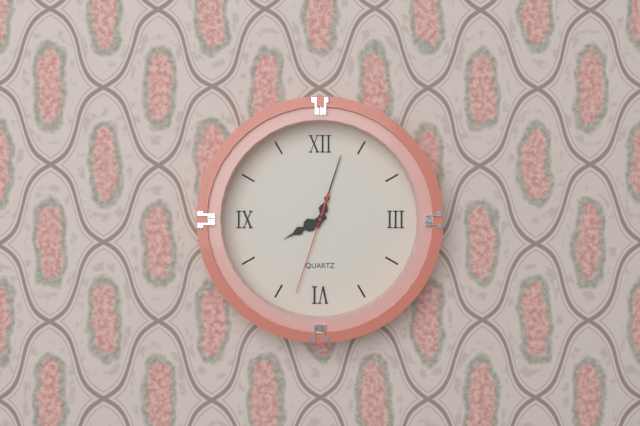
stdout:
8:03:33
